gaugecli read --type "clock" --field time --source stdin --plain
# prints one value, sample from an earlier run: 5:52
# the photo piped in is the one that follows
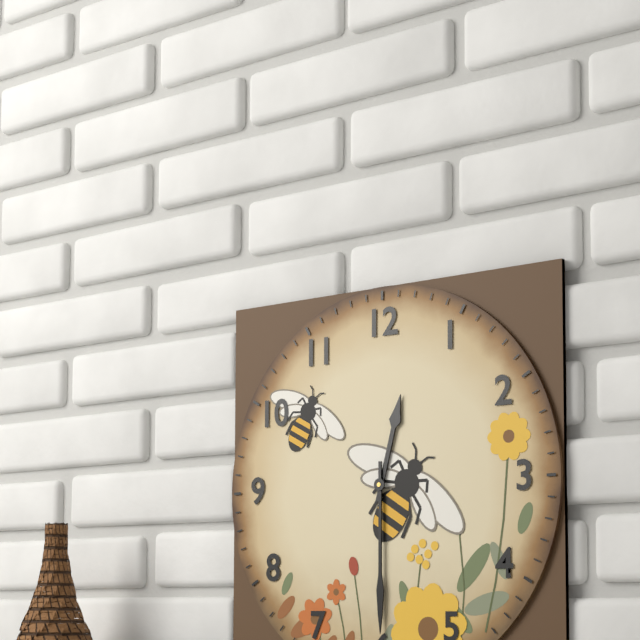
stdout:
12:30
